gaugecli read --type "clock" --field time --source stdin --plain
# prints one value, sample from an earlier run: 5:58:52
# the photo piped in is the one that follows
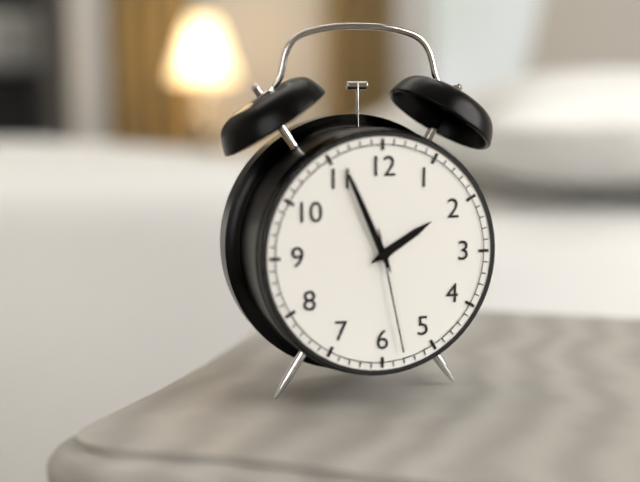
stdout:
1:56:28
